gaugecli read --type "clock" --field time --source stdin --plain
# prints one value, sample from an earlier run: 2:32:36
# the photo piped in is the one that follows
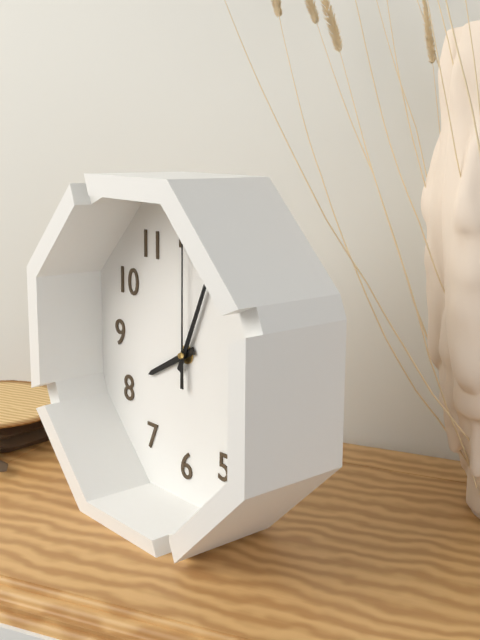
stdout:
8:04:00
